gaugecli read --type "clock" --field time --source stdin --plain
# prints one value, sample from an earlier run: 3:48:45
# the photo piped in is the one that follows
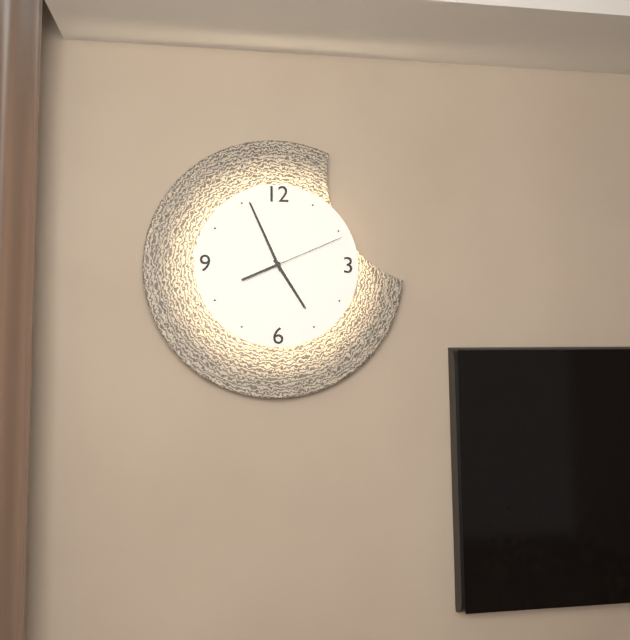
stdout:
4:56:11
